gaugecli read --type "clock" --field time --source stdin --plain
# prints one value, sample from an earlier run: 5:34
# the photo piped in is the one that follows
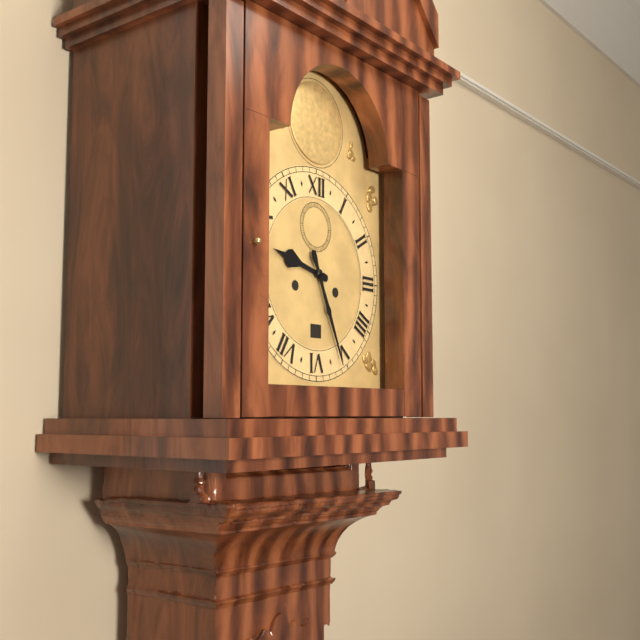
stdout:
9:26
